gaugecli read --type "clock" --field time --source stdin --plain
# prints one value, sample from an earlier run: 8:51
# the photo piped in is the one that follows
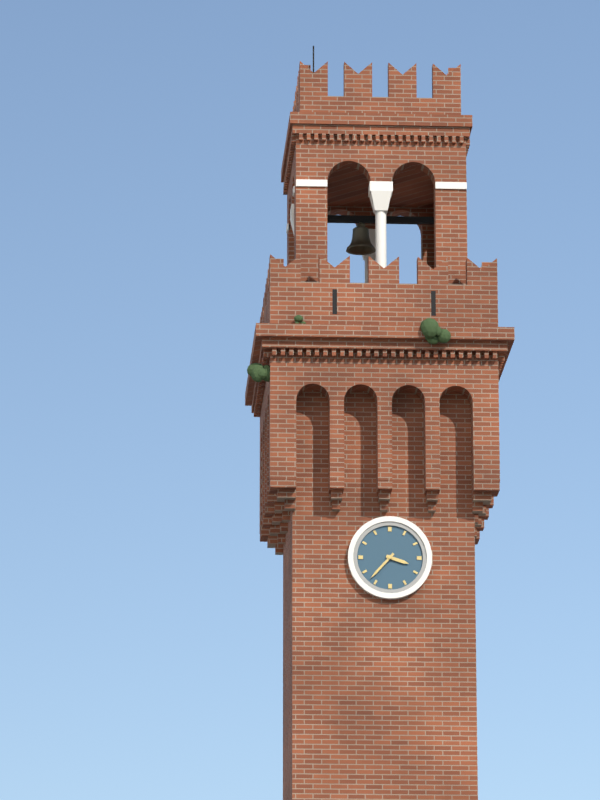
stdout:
3:37
